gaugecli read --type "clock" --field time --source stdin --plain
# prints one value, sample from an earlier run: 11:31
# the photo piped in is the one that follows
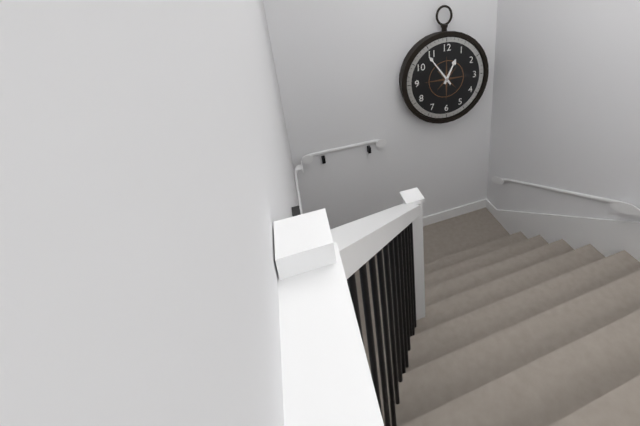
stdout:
12:54
